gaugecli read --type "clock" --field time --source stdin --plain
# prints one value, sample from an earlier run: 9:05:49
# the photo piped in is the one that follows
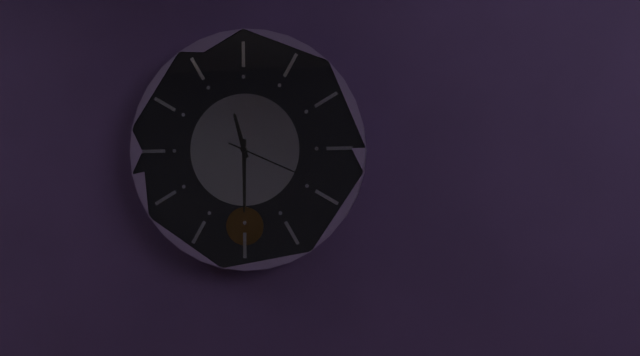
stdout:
11:30:19
